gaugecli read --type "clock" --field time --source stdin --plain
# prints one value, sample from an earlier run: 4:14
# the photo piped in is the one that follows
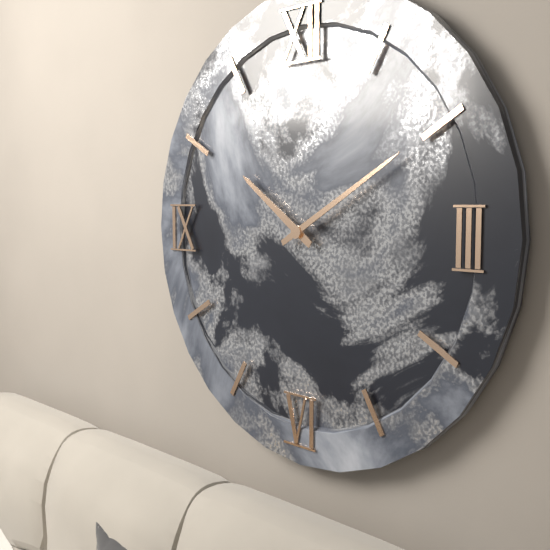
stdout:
10:10
